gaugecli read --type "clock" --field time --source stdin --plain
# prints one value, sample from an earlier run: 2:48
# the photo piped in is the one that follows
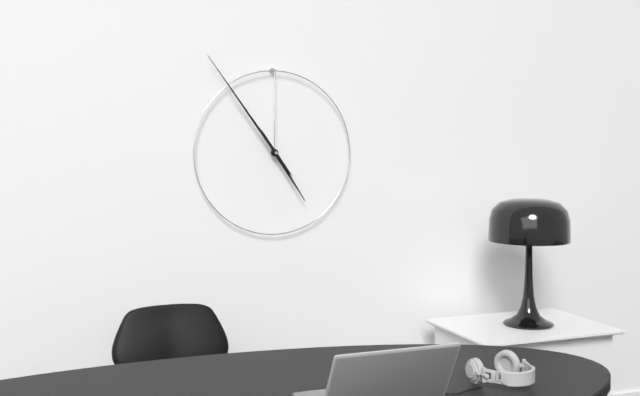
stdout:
4:54
